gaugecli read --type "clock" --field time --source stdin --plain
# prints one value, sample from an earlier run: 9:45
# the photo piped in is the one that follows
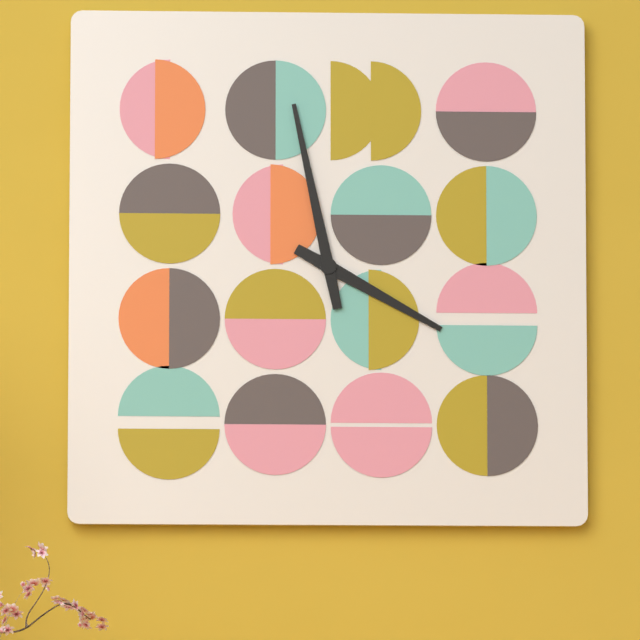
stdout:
3:58
